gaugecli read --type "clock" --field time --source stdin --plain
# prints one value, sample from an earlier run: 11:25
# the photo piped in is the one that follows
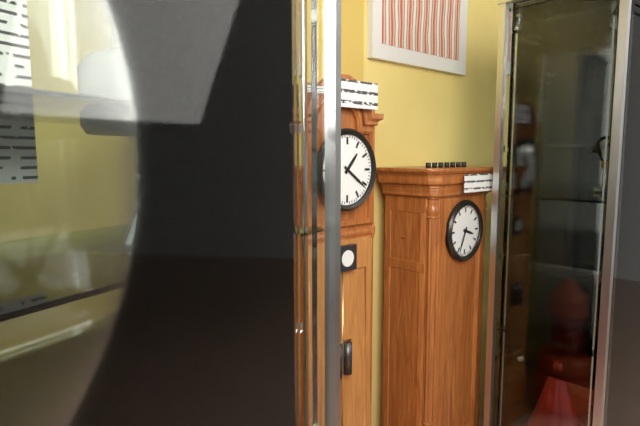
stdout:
1:21
